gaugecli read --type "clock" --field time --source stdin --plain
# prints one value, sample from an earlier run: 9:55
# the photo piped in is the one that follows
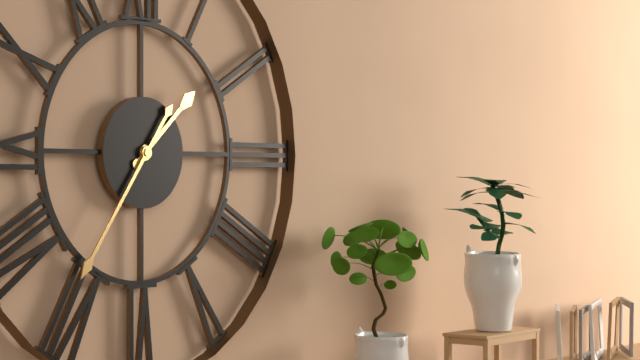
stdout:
1:36
